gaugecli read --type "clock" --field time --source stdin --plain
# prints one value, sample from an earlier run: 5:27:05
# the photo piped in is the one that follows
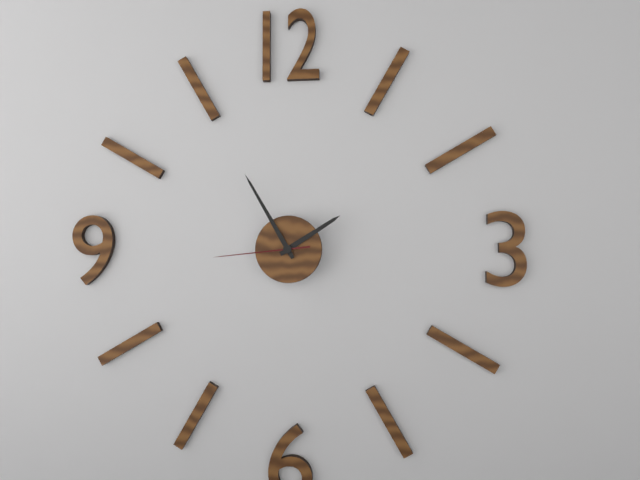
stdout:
1:55:44
